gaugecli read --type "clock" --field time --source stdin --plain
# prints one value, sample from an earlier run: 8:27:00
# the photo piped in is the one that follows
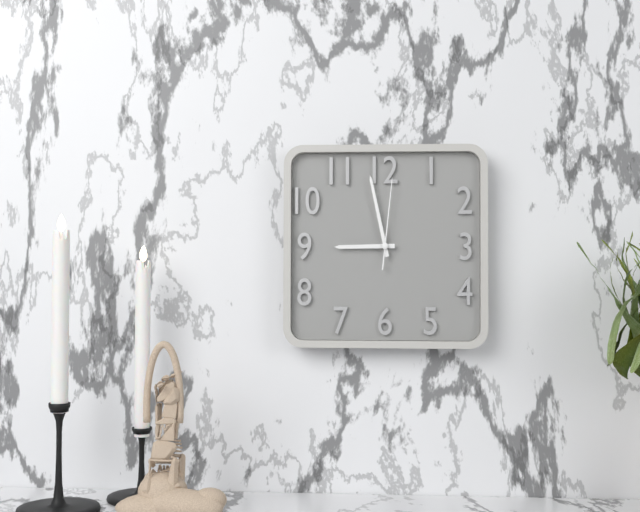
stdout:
8:58:01
